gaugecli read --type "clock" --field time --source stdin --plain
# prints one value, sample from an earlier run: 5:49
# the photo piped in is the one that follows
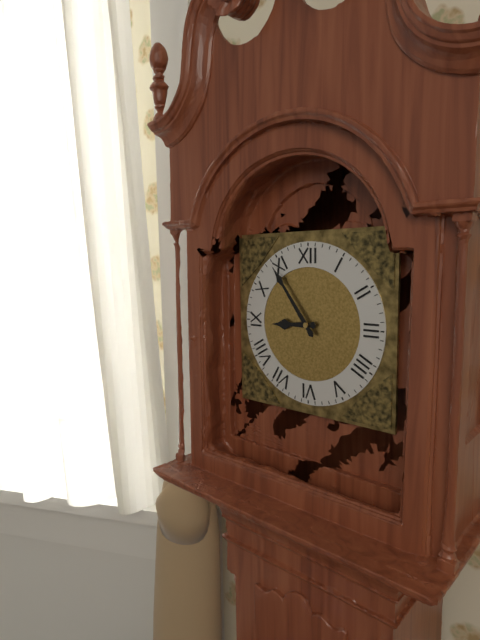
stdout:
8:54
